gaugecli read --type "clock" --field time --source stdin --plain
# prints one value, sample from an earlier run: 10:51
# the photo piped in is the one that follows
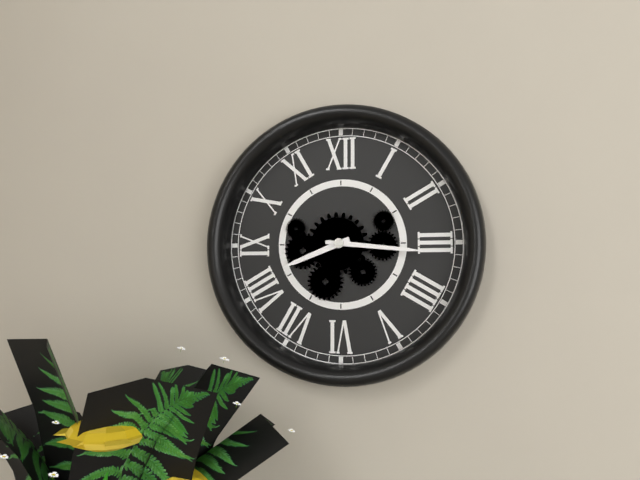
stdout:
8:16
